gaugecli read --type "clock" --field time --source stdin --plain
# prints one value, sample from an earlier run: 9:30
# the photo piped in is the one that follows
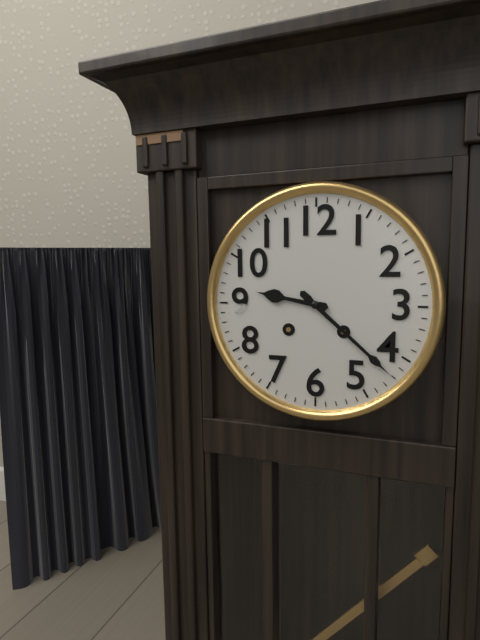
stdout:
9:22
